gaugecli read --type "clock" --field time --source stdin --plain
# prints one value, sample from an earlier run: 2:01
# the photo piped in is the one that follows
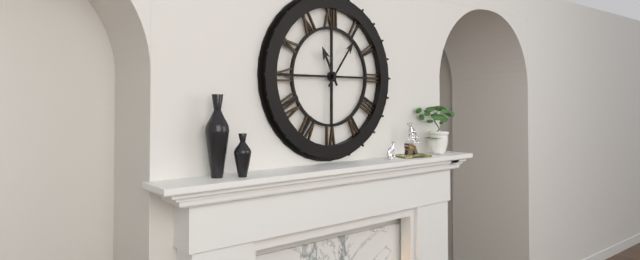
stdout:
11:06
